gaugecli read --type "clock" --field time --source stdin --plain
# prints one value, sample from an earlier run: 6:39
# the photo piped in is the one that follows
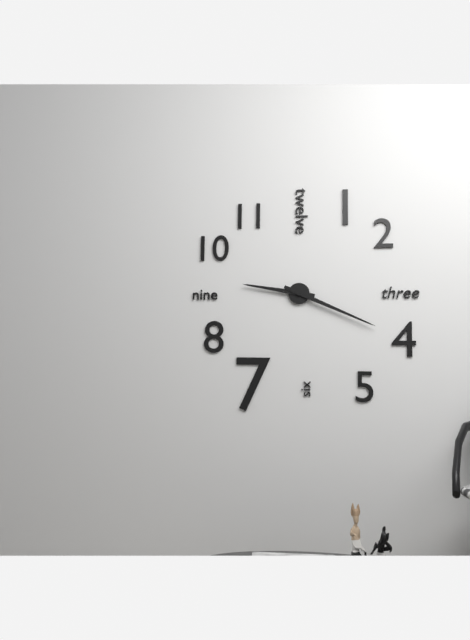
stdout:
9:19
